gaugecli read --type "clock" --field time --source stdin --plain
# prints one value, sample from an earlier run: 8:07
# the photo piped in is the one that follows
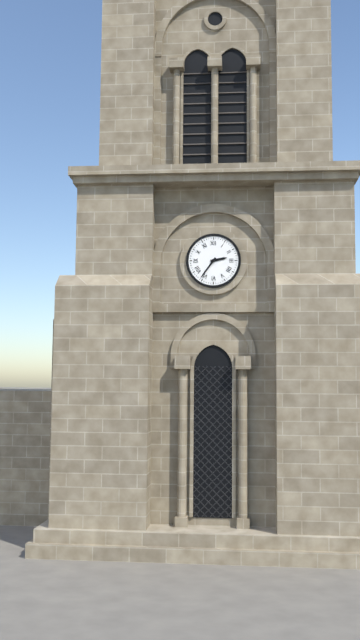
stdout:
2:36
